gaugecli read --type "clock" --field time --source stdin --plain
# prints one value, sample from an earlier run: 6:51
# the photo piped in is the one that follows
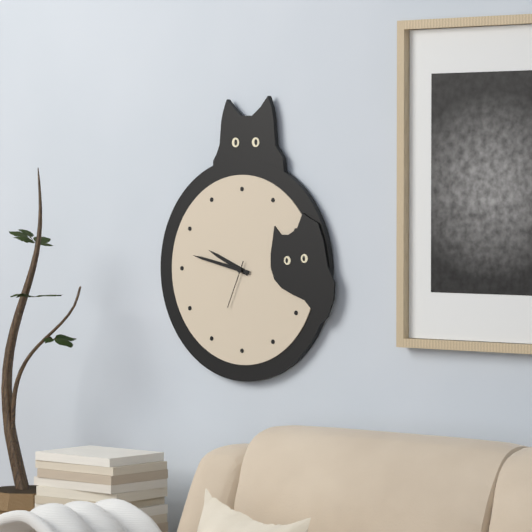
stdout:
9:47
